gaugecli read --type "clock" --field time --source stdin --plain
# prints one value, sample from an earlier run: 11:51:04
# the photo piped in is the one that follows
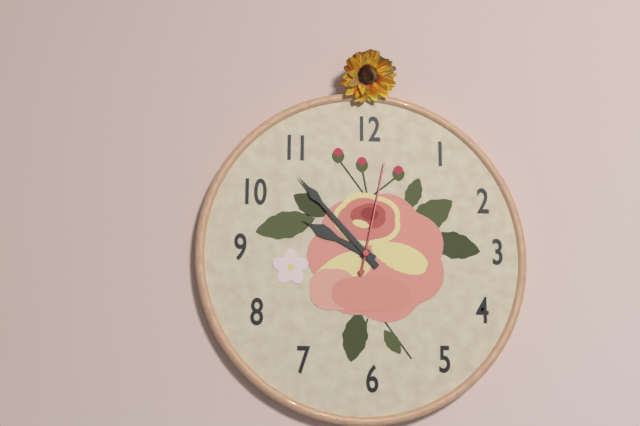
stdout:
9:53:02
